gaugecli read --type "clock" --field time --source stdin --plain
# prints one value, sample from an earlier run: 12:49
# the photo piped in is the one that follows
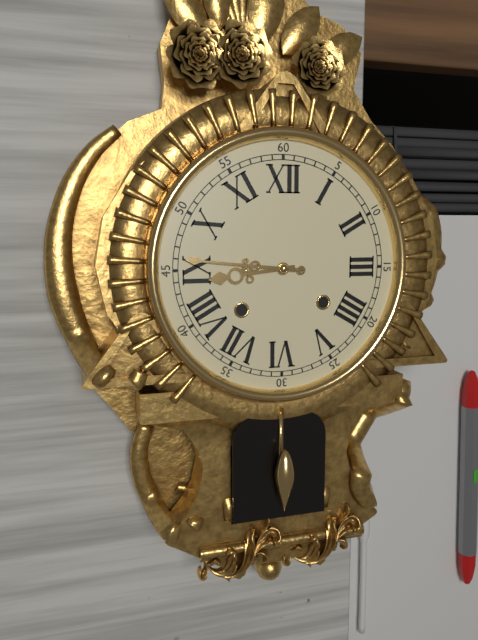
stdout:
8:46
